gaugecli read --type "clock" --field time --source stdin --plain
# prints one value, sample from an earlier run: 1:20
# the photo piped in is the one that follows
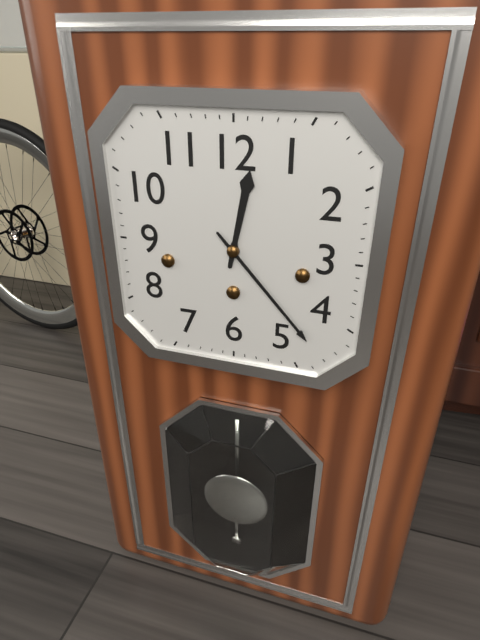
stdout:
12:23
